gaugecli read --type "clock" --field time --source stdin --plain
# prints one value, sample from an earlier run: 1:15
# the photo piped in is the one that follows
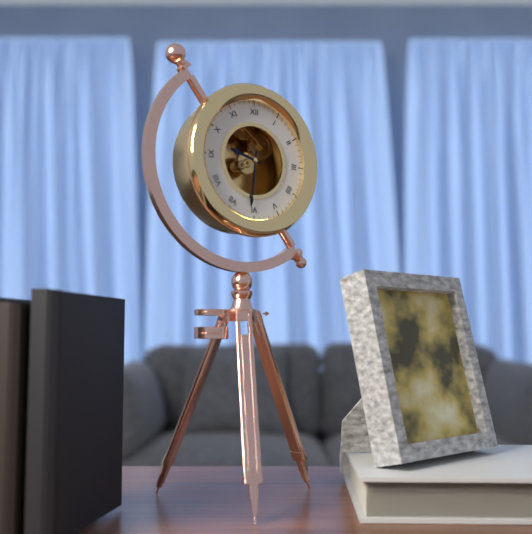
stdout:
9:31
